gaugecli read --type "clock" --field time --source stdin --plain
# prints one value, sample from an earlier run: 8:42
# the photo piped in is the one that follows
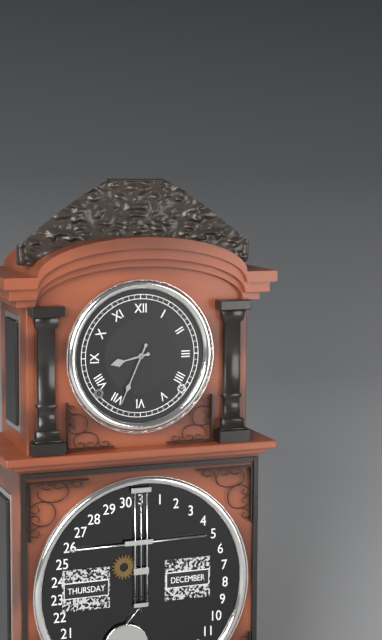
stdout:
8:34
